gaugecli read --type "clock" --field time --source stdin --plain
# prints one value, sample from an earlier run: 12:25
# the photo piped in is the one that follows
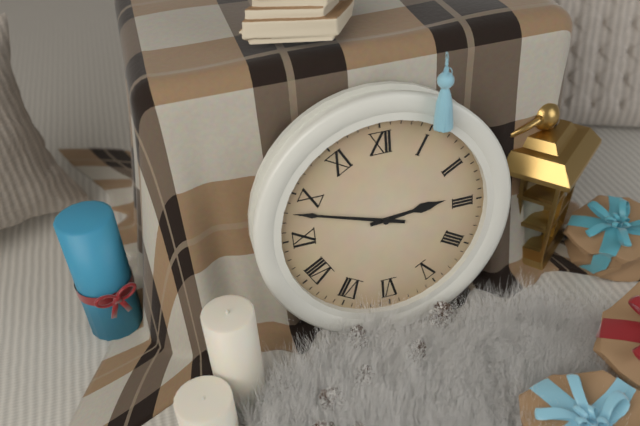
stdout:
2:48
